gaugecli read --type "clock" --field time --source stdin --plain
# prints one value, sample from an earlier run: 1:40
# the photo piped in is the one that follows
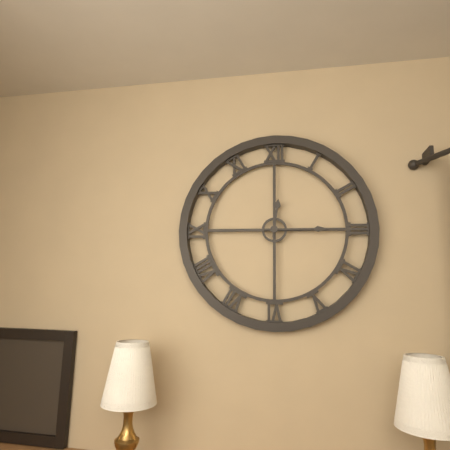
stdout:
12:15
